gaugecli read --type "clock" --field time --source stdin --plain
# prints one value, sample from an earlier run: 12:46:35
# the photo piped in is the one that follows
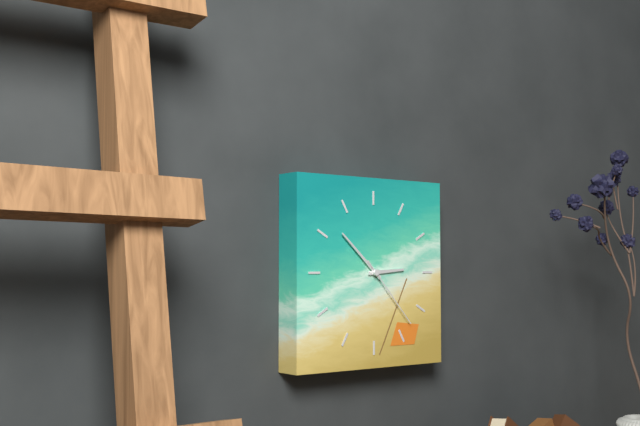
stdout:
2:52:23
